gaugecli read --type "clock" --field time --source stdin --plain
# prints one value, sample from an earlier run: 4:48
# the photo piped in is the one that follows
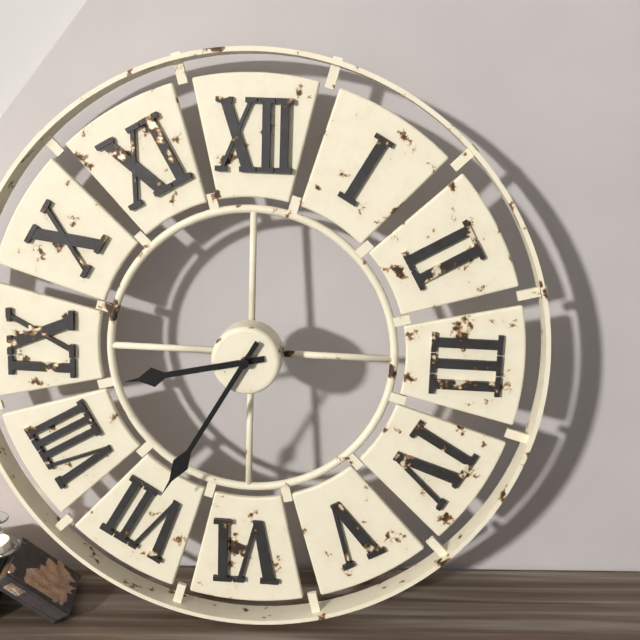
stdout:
8:35
